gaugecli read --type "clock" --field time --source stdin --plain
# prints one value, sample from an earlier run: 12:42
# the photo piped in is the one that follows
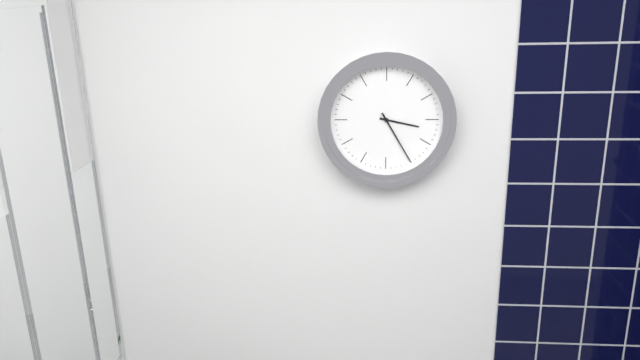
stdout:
3:25
